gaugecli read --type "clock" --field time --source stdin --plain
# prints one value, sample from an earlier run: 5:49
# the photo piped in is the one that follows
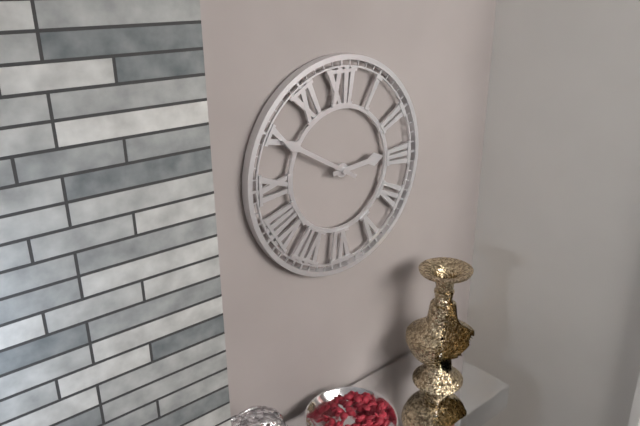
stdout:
2:50
